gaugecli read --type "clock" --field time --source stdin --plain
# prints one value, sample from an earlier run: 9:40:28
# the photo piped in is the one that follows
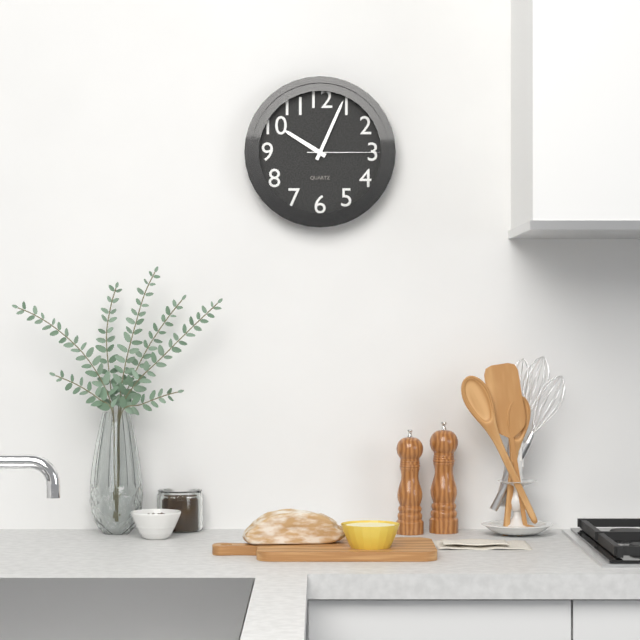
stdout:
10:04:15
